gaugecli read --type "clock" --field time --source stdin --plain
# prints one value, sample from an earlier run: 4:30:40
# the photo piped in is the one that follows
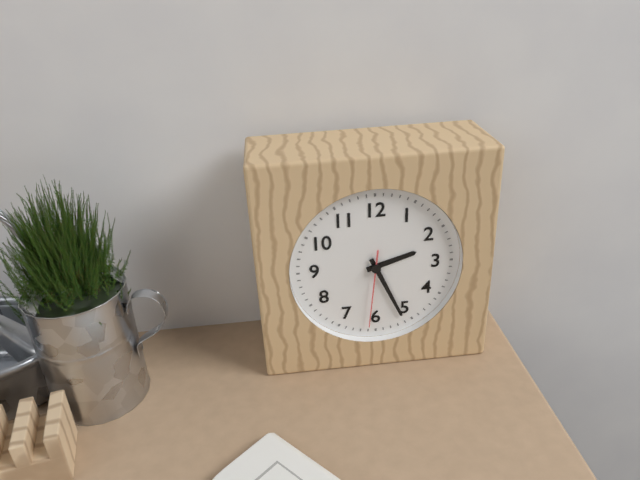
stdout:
2:26:31
